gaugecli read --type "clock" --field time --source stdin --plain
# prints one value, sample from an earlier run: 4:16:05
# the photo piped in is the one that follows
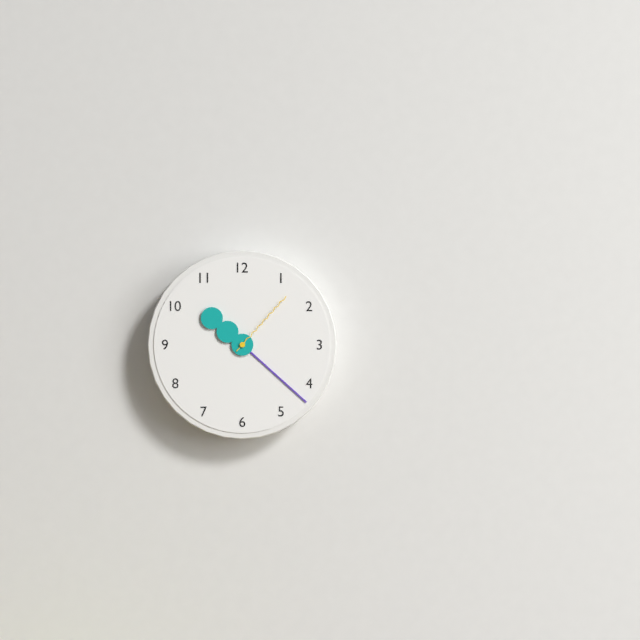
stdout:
10:22:07
